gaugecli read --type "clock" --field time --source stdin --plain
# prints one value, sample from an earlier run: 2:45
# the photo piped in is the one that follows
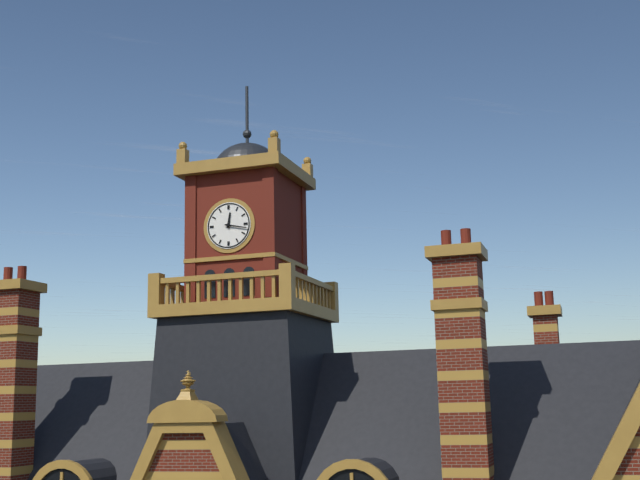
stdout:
12:17
